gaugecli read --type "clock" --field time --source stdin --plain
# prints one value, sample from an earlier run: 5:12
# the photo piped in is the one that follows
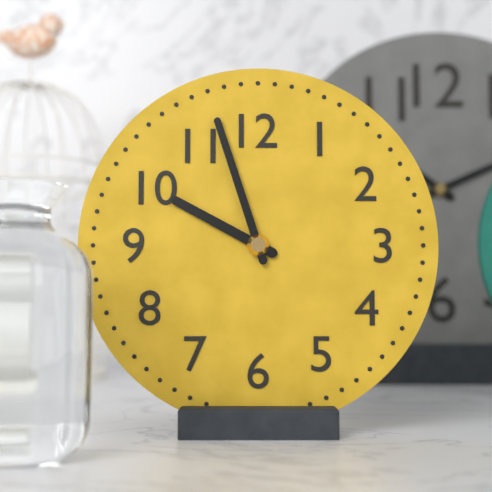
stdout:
9:57
